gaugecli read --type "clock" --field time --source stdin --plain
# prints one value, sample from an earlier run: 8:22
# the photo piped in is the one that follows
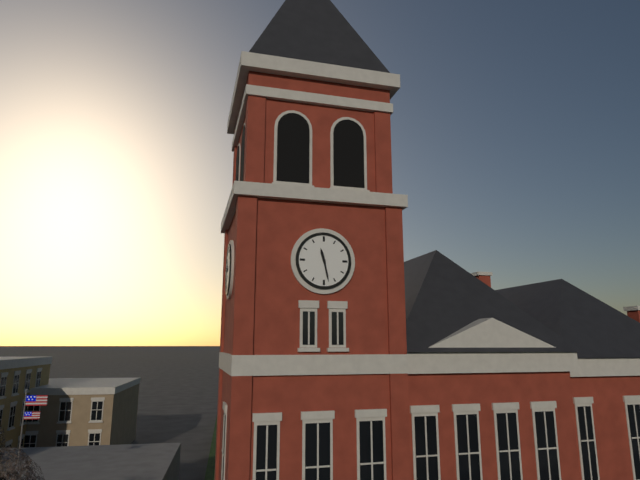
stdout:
11:28
